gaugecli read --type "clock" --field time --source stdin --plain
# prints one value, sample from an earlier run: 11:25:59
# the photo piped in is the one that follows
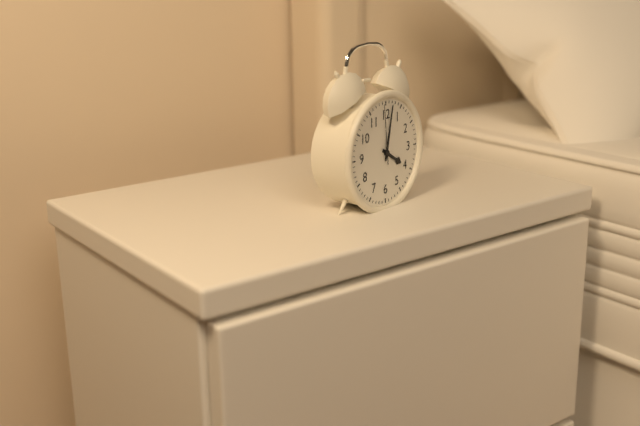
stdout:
4:02:59
